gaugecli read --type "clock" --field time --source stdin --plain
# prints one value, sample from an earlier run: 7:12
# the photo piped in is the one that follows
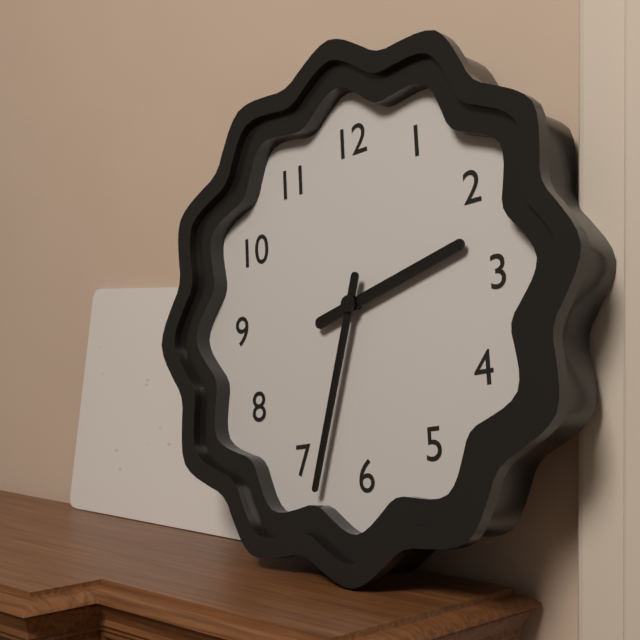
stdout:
2:33
